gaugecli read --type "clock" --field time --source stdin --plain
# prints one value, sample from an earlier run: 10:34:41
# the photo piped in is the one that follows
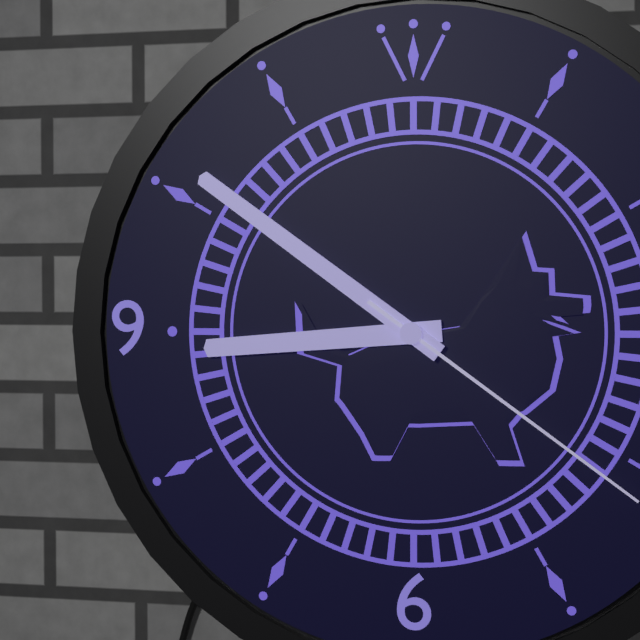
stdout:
8:51:21
